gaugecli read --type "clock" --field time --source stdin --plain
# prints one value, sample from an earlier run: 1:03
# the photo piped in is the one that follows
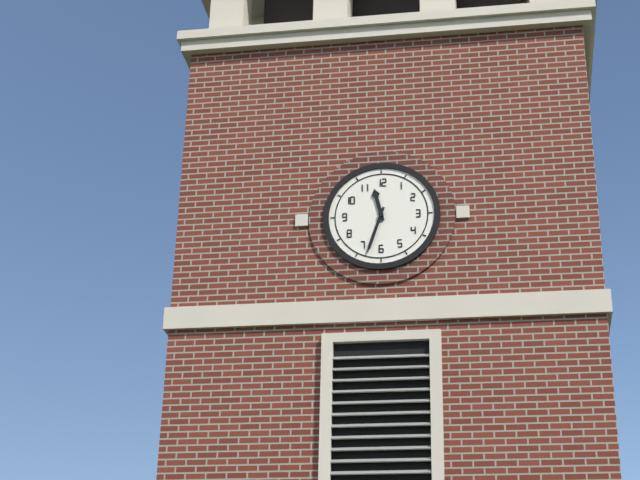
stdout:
11:33
